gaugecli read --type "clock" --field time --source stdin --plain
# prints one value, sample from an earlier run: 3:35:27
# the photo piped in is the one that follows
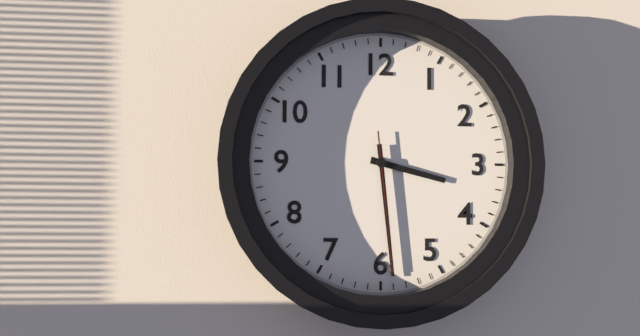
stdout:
3:29:29
